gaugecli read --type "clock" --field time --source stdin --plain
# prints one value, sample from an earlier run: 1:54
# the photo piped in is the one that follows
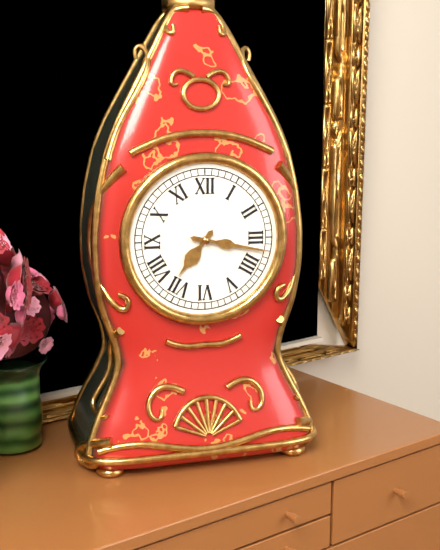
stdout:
7:17
